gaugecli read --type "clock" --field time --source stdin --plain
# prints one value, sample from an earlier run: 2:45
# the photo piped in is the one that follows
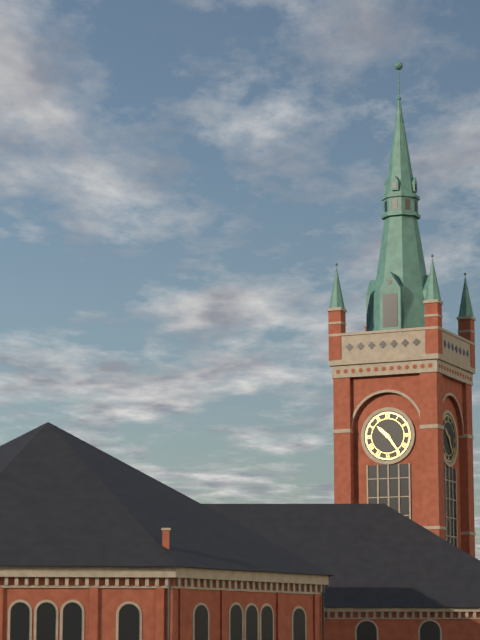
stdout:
10:24
